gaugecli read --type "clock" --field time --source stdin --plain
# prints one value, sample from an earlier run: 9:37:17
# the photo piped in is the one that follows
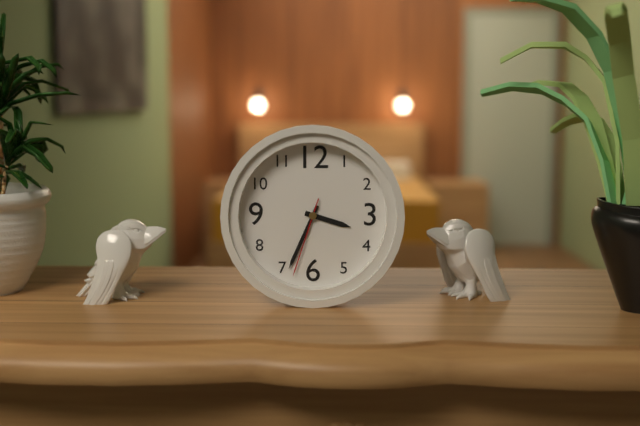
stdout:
3:34:33
